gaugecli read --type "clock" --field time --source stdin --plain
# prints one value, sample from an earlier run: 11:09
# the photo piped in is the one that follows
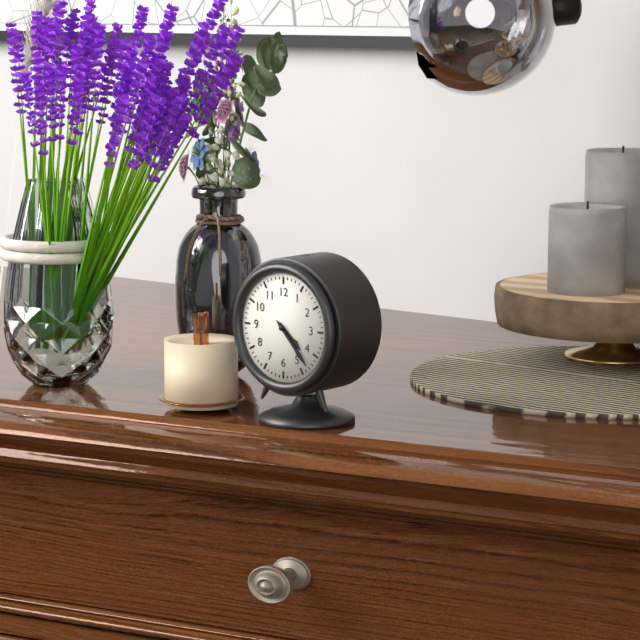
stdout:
4:23
